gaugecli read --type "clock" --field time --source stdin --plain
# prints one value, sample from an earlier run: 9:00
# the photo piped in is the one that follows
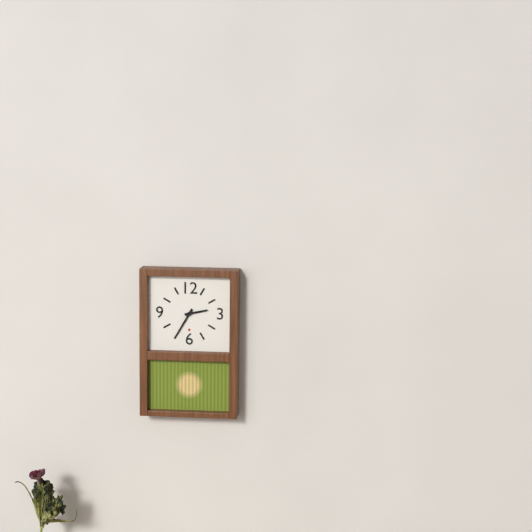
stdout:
2:35
